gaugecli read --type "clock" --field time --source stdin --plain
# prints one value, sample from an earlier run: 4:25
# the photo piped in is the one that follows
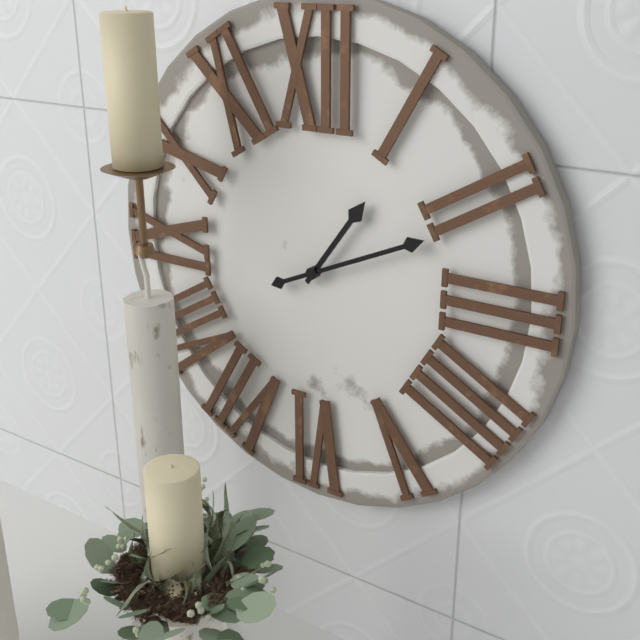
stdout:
1:11
